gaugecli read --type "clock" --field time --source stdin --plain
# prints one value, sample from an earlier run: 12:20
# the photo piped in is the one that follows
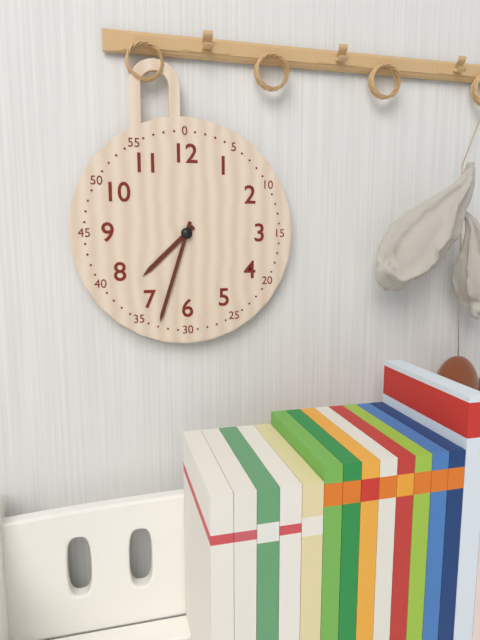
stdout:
7:33
